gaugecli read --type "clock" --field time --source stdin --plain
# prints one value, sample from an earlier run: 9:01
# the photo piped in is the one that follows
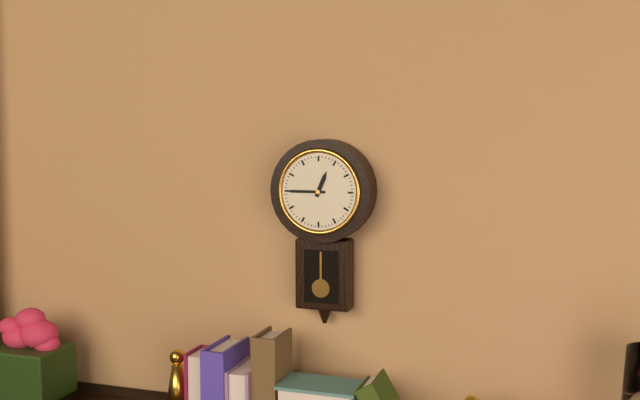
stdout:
12:45
